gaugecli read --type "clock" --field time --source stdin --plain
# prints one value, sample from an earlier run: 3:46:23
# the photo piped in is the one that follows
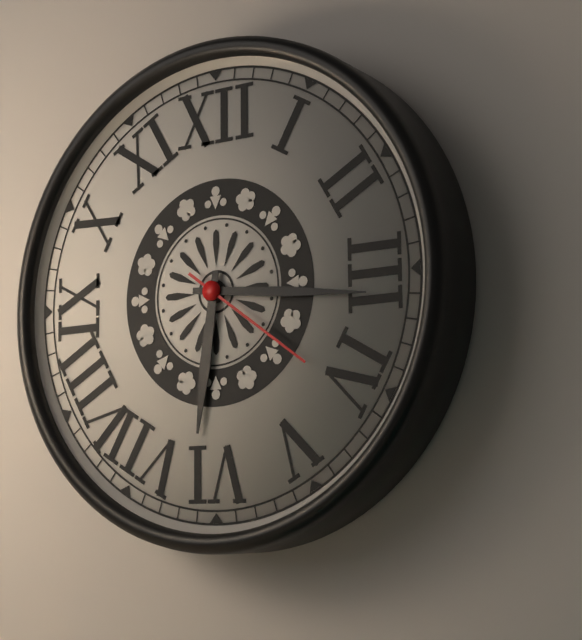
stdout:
6:16:21
